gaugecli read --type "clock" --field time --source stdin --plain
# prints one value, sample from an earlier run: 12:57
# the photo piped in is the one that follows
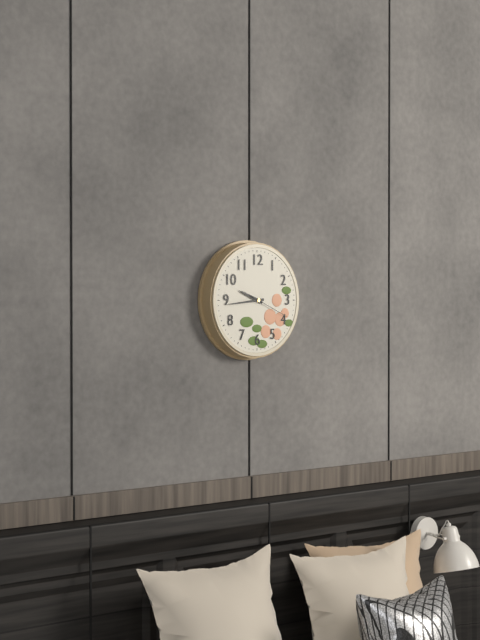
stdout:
9:44
